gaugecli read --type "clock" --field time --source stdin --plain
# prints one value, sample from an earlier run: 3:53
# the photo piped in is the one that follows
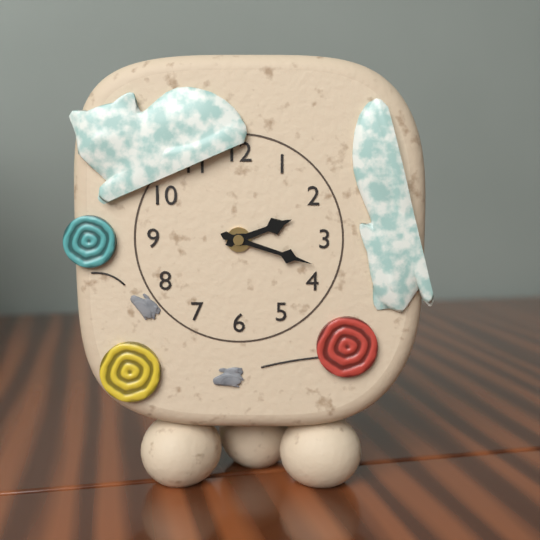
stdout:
2:18
